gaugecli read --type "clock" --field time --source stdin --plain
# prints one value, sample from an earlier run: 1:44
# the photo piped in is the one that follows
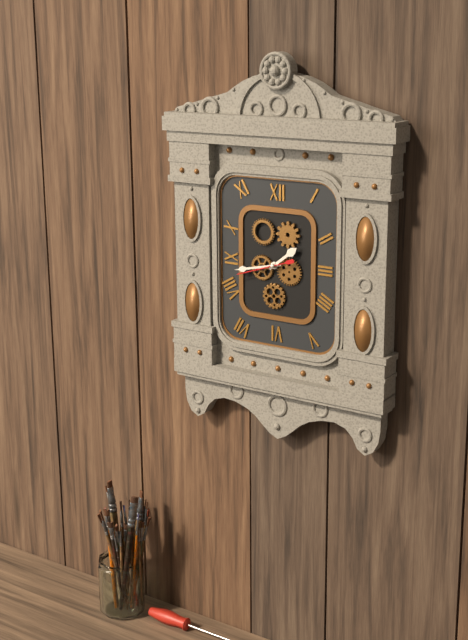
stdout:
1:43
